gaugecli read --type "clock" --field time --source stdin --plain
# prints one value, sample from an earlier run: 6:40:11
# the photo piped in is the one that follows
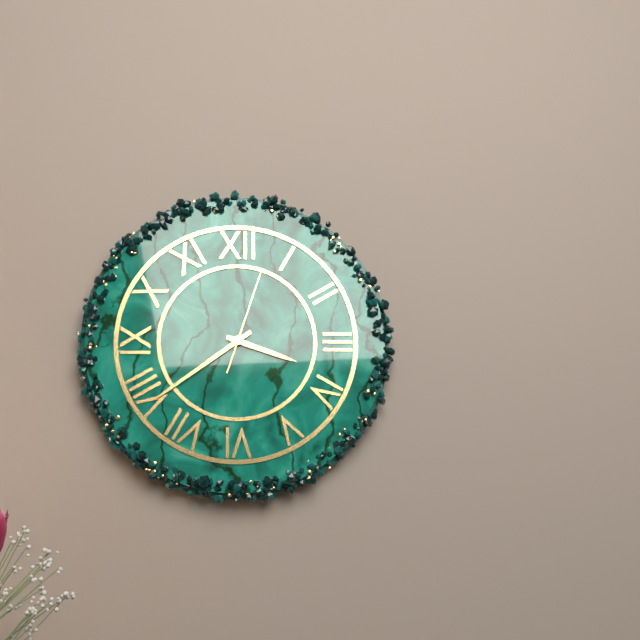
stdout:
3:39:03
